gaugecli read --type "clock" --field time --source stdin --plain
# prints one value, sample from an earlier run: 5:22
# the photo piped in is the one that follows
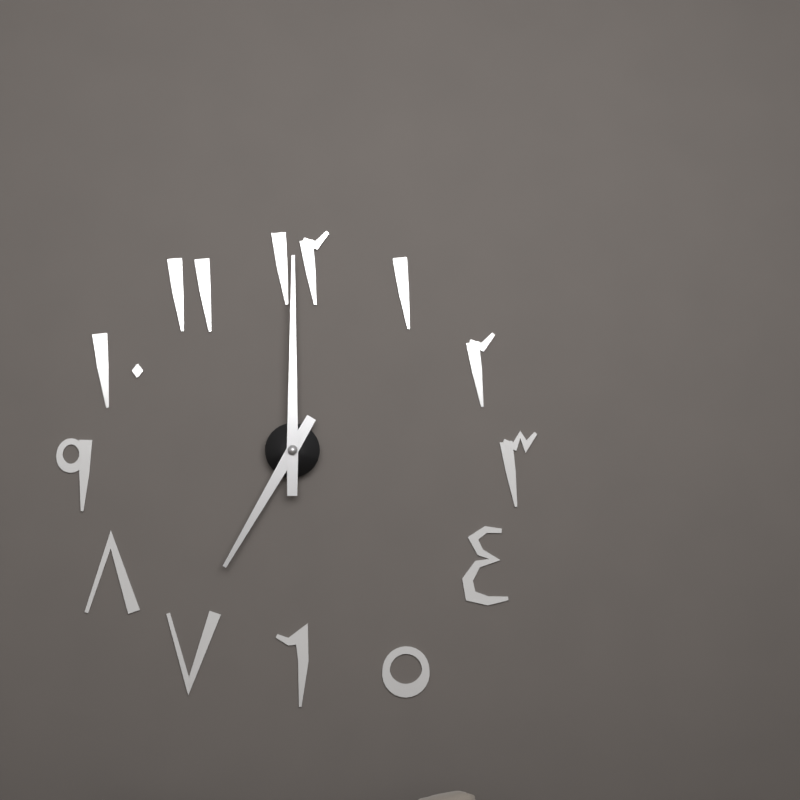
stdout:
7:00
